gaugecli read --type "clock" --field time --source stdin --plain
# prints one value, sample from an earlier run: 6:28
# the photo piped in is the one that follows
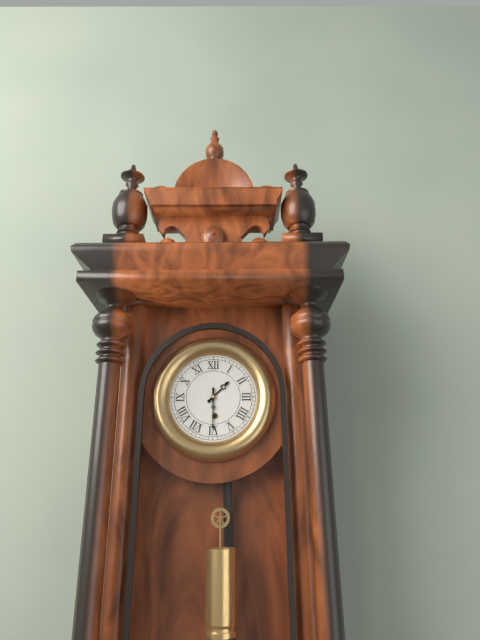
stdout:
1:30
